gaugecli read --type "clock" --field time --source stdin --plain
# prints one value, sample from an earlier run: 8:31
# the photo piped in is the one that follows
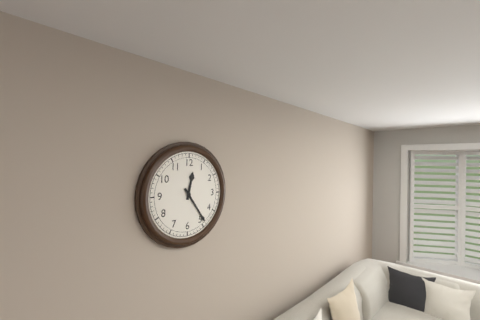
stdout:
12:24
